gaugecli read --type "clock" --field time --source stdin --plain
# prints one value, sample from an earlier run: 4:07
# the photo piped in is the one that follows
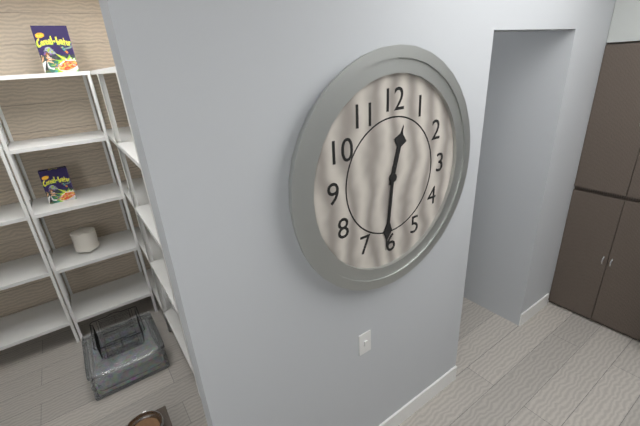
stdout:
12:31
